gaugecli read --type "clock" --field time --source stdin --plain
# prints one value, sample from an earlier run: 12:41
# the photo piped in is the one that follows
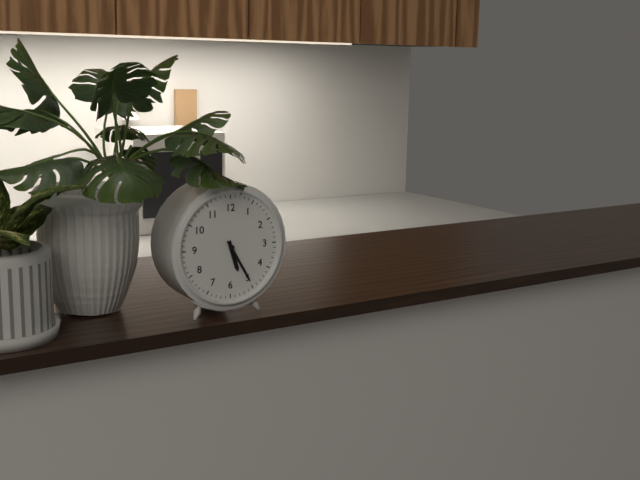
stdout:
5:25
